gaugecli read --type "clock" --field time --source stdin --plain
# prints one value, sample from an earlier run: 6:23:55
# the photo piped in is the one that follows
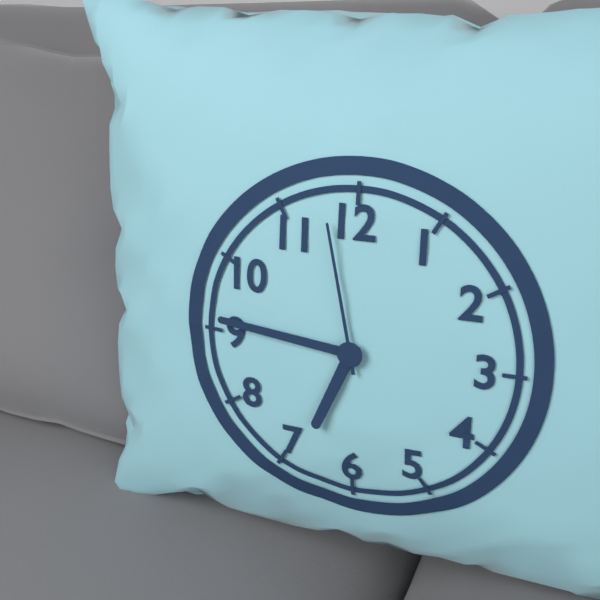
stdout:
6:46:58
